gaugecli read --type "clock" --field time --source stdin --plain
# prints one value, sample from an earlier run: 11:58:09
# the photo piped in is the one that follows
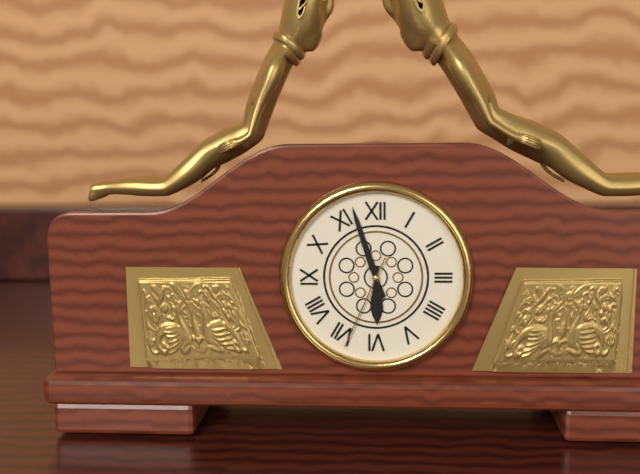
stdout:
5:57:34
